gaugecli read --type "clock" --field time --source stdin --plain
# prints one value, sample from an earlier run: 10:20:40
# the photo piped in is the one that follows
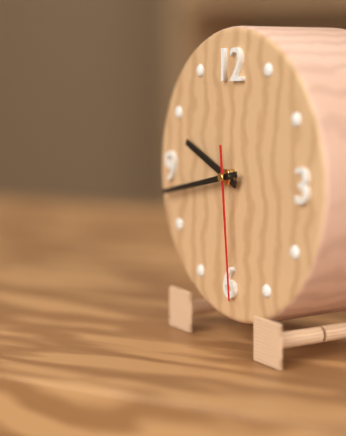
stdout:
9:43:29
